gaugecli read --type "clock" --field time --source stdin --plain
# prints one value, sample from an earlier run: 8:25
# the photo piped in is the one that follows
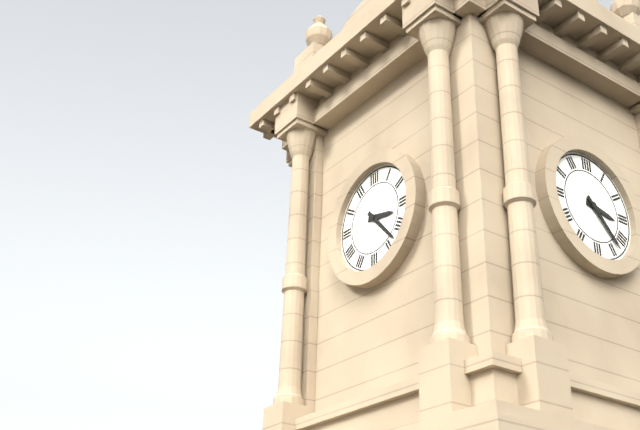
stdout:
3:23
